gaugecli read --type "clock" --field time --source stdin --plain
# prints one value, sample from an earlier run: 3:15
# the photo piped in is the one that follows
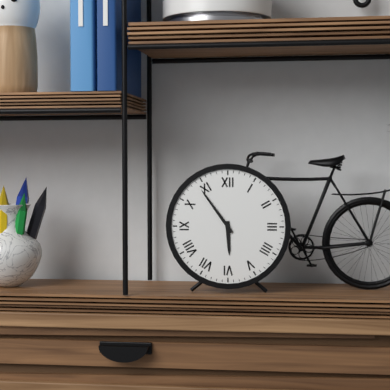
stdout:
5:54
